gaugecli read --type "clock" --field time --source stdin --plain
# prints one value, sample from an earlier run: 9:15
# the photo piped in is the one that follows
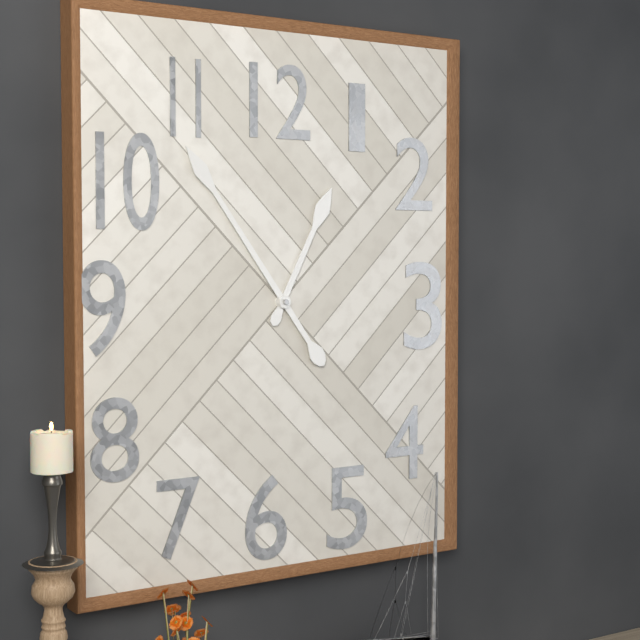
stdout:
12:54
